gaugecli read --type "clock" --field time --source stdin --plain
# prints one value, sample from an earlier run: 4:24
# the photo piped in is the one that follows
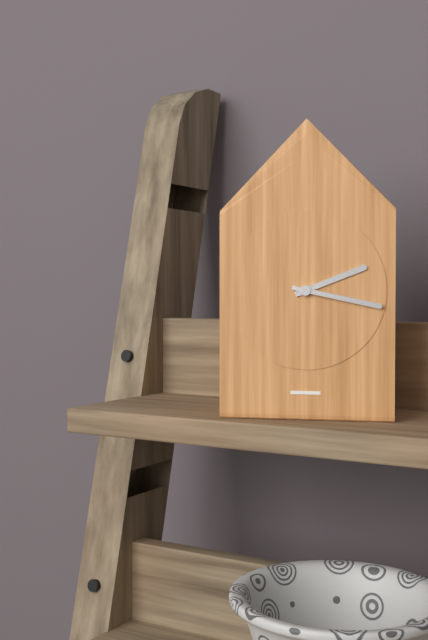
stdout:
2:17
